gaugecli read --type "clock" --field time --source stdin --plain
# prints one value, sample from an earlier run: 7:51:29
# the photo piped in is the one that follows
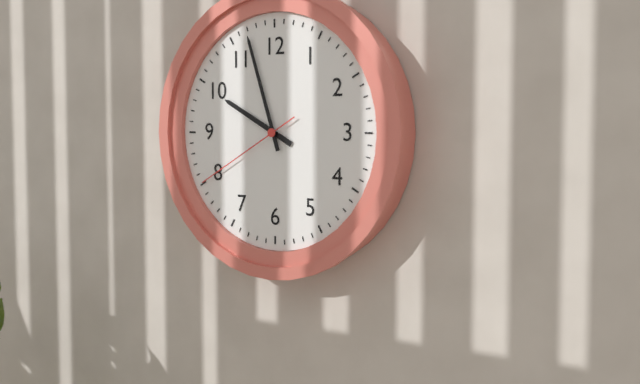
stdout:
9:57:40
